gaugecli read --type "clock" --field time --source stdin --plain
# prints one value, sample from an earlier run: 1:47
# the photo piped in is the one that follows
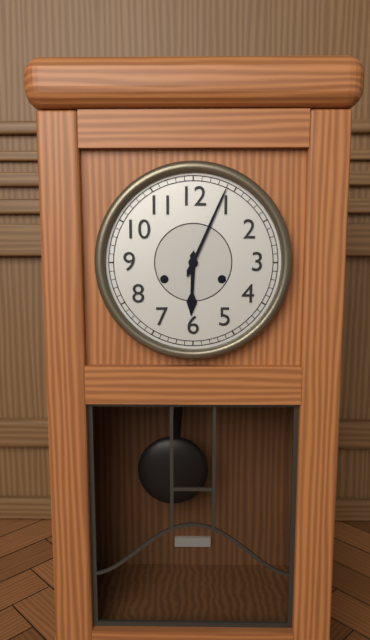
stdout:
6:04
